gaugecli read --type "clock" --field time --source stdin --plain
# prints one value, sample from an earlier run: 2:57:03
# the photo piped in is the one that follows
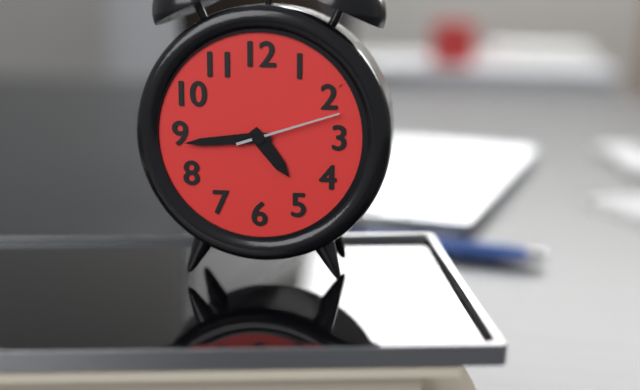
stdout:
4:44:12
